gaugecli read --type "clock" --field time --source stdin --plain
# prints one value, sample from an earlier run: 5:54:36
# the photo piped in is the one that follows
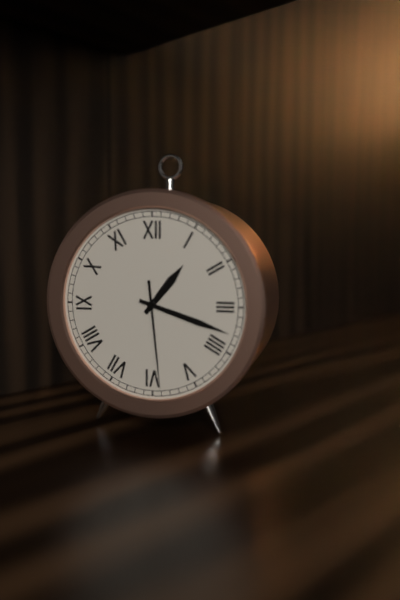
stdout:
1:18:29
